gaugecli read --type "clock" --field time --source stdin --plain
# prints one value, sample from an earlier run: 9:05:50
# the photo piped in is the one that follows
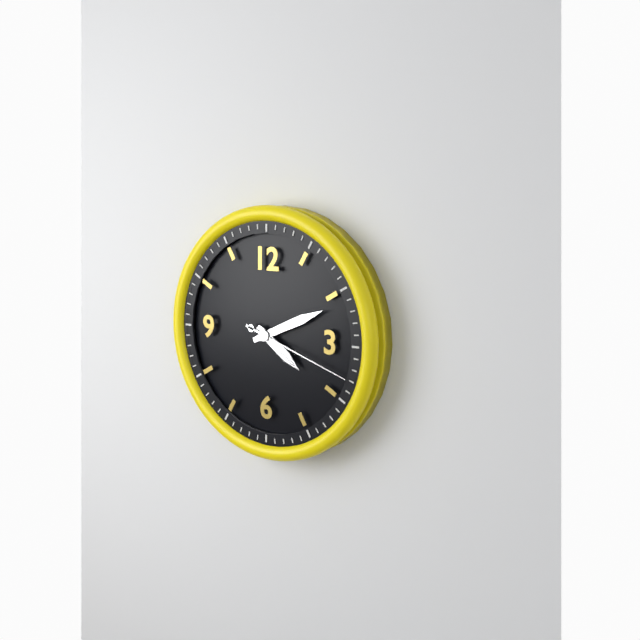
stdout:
4:11:18
